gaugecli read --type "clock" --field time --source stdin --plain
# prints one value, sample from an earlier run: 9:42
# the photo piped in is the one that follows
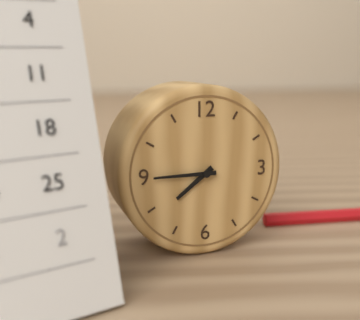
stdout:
7:45
